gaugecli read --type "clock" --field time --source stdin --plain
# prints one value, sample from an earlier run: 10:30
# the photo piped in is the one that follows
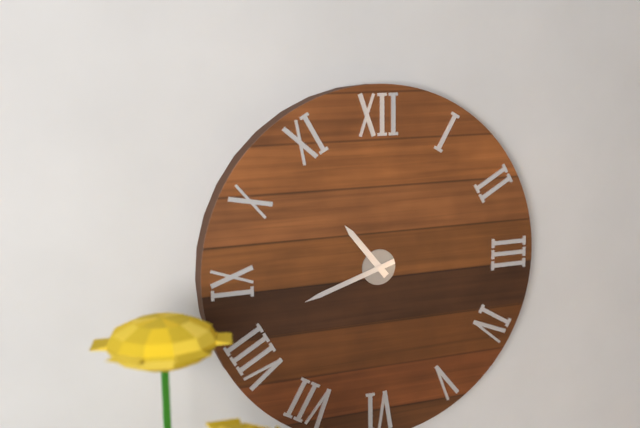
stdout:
10:42
